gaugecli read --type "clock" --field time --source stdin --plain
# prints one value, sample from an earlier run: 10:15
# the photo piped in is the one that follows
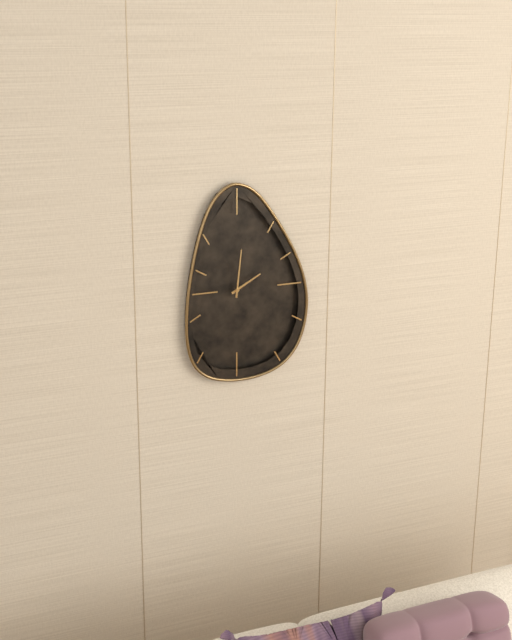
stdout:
2:01
